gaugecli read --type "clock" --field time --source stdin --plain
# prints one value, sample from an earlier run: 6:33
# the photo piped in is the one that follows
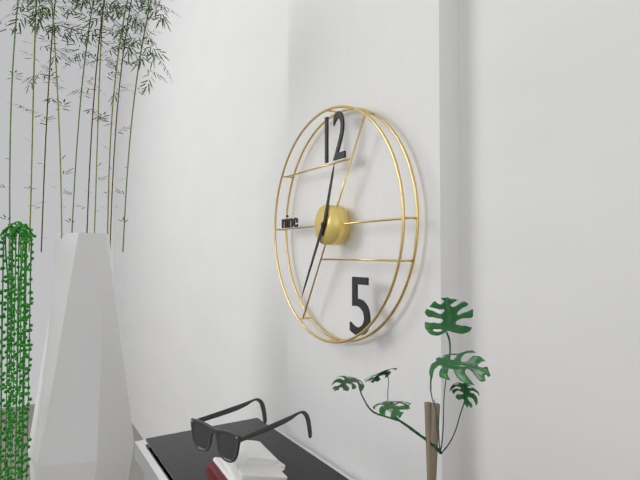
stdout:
12:35
